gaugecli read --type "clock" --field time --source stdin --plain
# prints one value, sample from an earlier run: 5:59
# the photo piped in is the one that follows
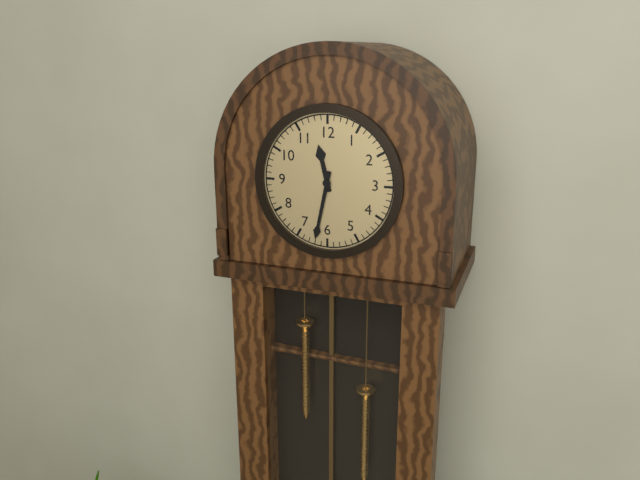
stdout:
11:32
